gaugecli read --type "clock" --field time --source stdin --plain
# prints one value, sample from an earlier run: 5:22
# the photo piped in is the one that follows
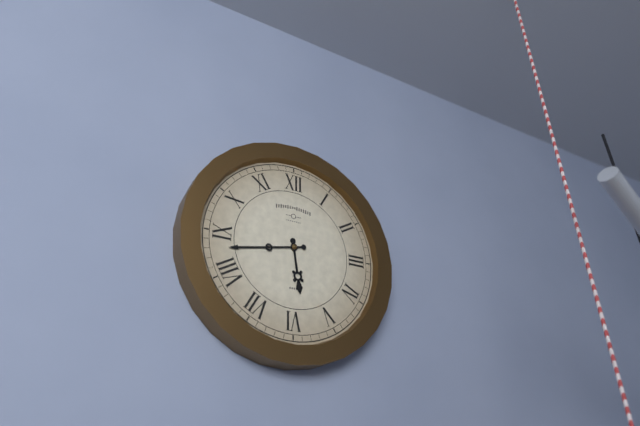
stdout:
5:43
